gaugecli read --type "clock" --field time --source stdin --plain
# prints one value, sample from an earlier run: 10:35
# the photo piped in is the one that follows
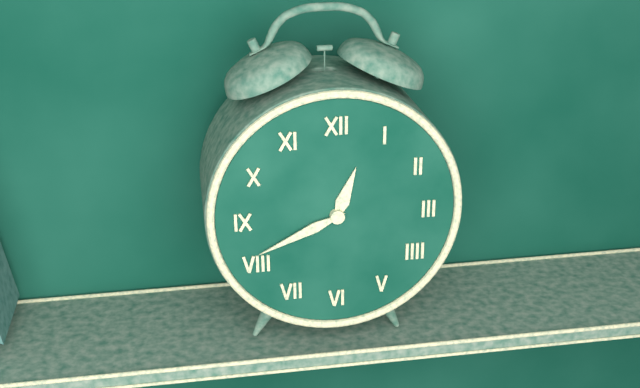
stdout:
12:41
